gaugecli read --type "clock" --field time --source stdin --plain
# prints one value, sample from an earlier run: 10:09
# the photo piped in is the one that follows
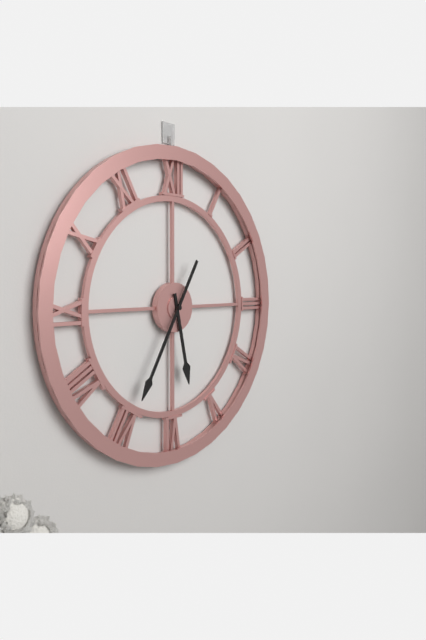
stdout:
5:35
